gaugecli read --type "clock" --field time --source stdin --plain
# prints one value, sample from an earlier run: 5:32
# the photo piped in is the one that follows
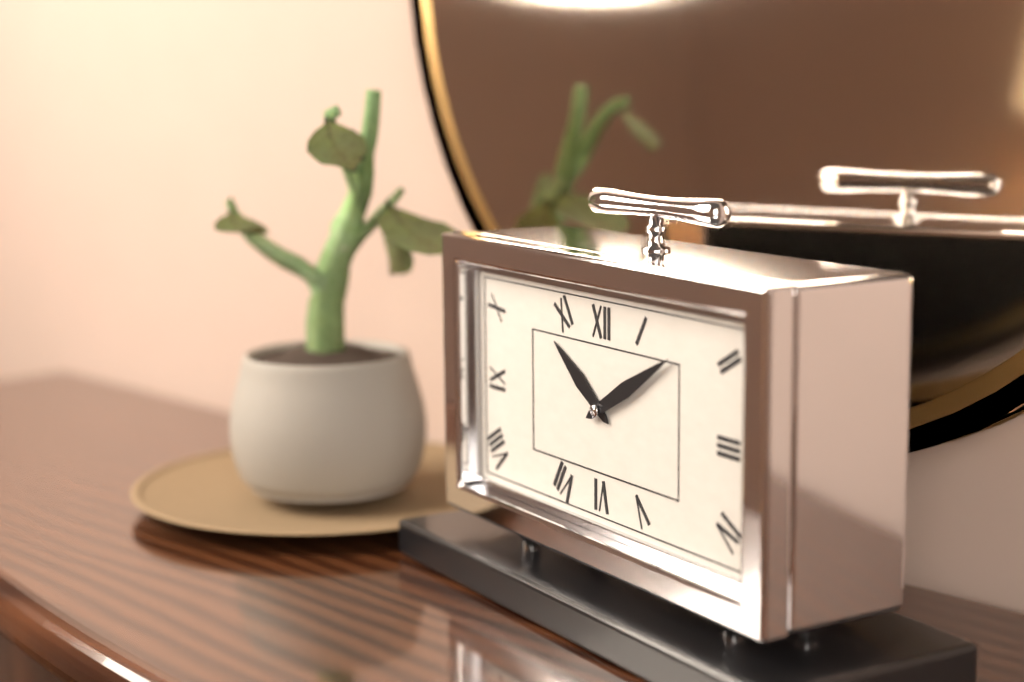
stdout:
10:10
